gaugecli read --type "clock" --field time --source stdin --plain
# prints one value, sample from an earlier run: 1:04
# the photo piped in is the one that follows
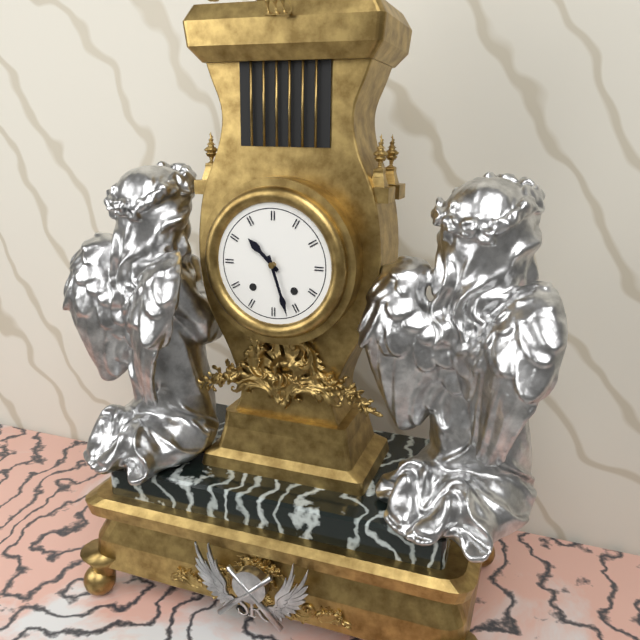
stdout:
10:27
